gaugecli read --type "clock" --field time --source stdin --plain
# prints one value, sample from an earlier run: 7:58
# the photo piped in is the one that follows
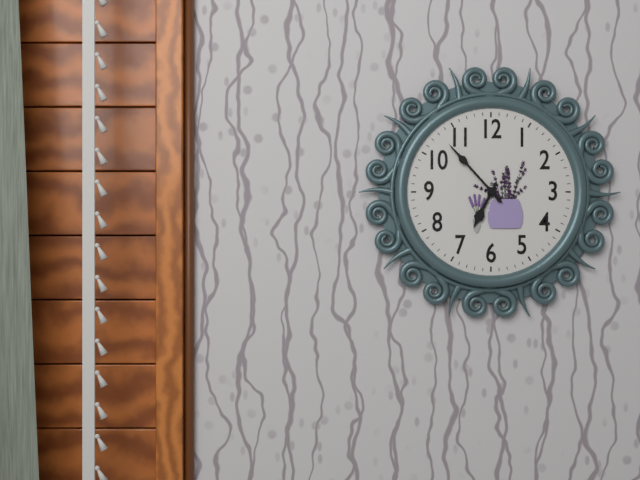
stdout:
6:53
